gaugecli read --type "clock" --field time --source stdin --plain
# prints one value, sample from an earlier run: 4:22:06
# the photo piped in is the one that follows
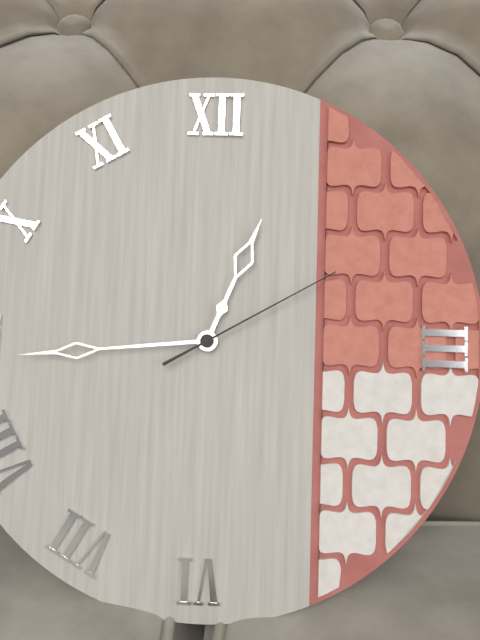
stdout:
12:44:10
